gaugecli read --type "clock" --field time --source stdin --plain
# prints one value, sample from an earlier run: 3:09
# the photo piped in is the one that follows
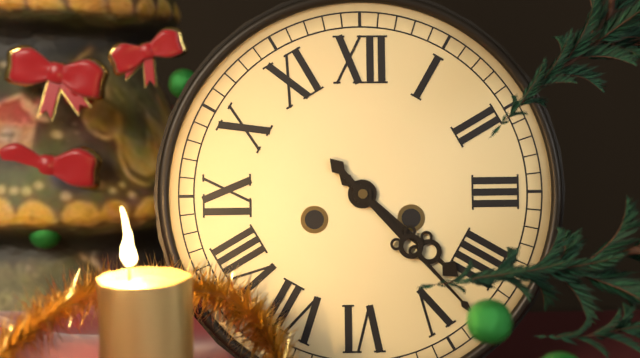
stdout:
4:23
